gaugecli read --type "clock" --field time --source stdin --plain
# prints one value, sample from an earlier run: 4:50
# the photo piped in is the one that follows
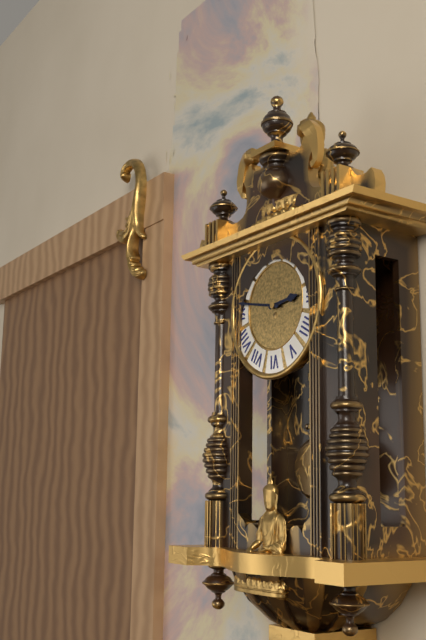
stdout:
2:47
